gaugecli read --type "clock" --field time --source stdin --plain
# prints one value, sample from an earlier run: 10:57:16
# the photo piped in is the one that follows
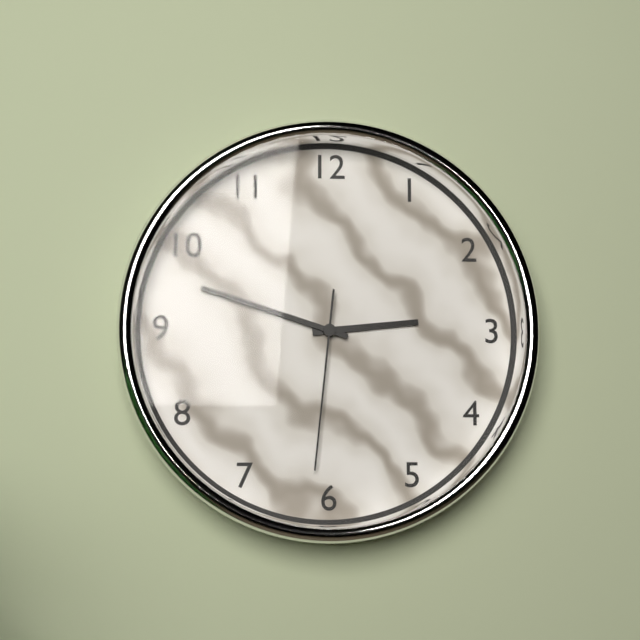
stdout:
2:48:31
